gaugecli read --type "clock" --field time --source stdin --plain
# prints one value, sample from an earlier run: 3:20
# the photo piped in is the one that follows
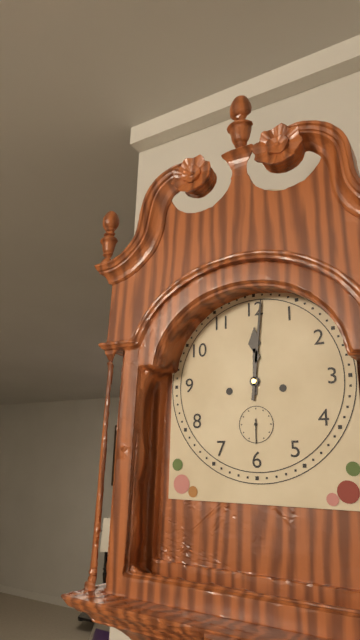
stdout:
12:01
